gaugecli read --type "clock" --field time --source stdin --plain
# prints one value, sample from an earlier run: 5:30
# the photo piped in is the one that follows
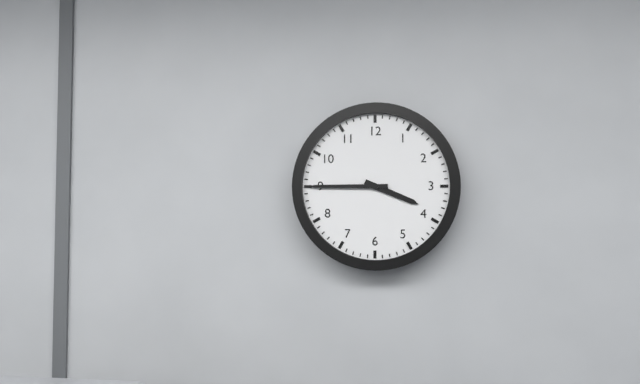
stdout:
3:45
